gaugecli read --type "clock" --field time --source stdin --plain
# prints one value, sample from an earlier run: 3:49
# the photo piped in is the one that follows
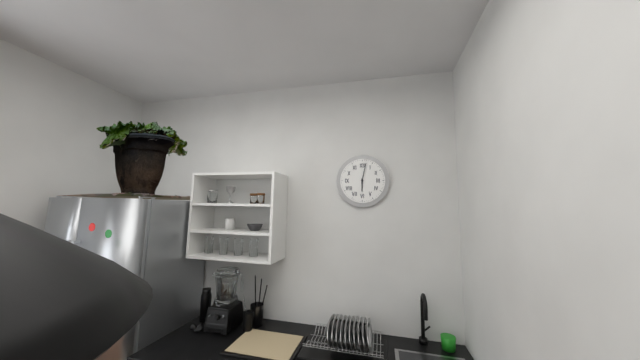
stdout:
6:02
